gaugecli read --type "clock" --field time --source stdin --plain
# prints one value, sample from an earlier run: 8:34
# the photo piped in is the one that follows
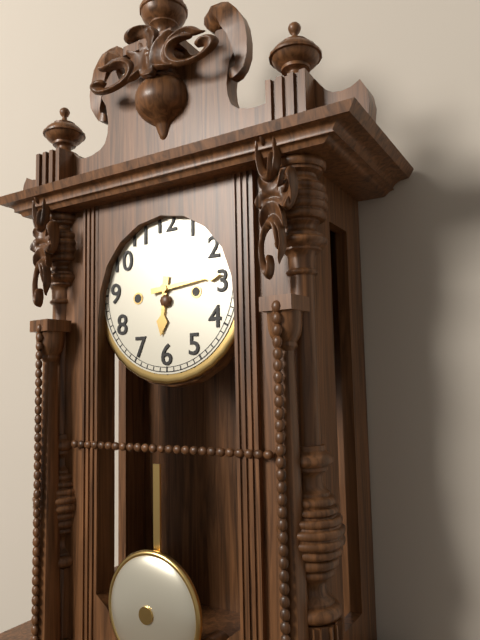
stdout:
6:14
